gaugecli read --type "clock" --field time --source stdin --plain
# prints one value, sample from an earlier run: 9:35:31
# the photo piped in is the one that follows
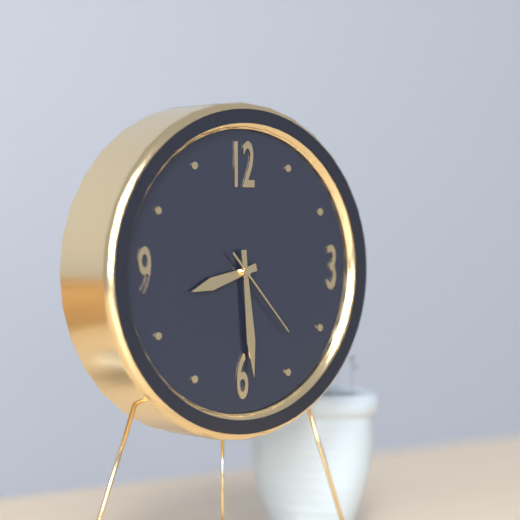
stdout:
8:29:23
